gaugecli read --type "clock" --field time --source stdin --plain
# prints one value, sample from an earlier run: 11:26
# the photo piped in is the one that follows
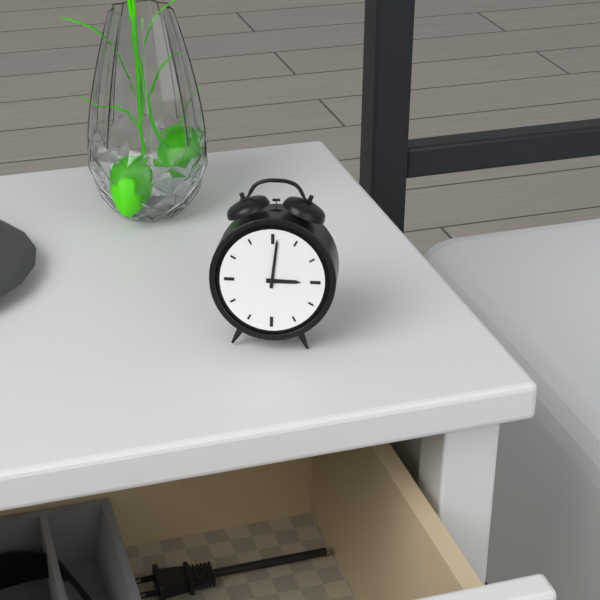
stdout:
3:01
